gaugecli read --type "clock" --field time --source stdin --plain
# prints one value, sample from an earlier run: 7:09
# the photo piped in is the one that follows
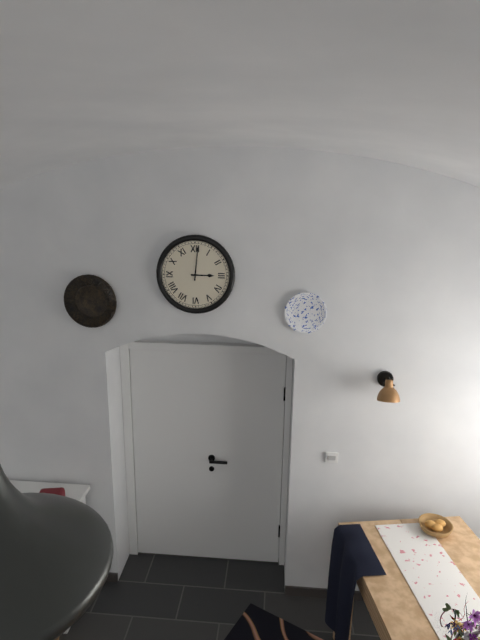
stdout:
3:01
